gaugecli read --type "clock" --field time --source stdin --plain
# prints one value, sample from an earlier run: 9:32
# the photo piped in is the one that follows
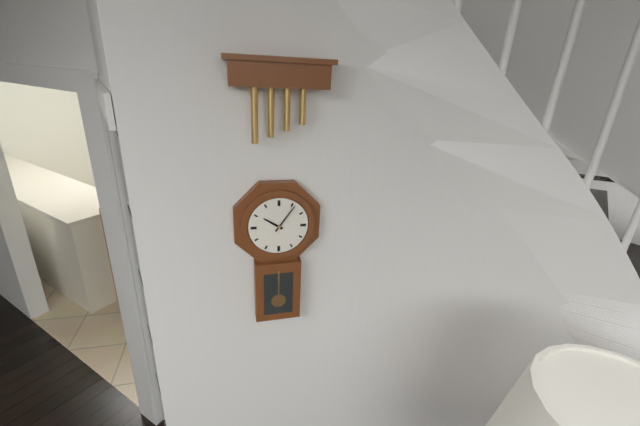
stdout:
10:06
